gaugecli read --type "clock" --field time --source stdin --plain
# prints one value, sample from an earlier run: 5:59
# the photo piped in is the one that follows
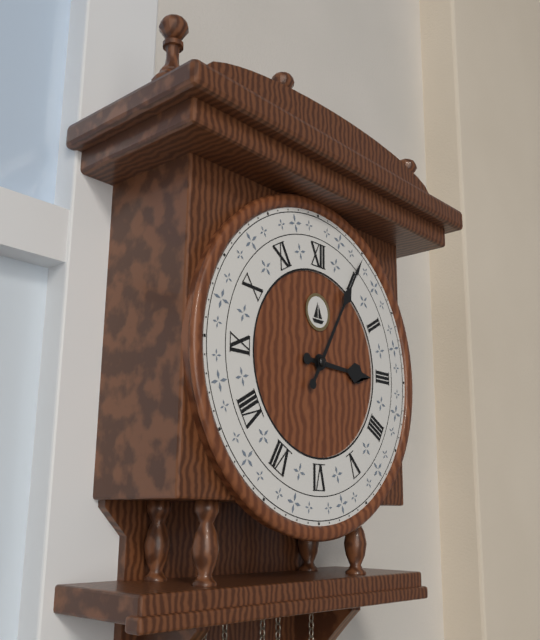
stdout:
3:05
